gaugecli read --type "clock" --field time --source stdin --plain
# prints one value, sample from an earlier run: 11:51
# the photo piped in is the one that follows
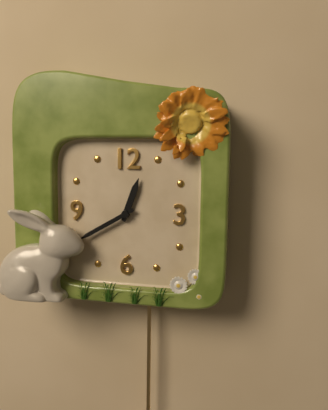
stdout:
12:40
